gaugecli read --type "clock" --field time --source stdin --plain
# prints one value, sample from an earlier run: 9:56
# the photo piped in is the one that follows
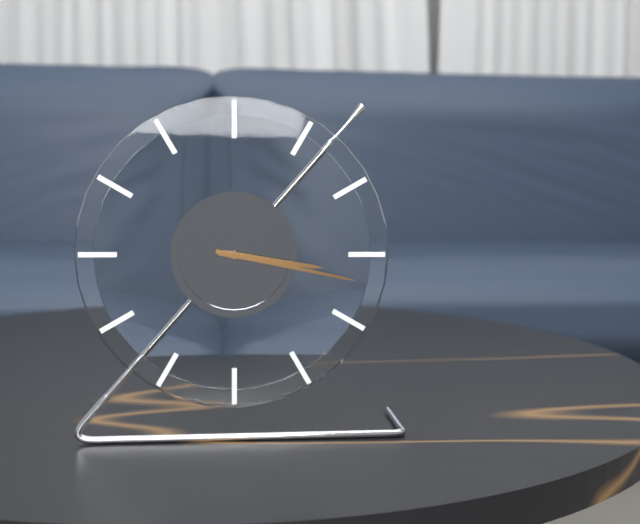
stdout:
3:17
